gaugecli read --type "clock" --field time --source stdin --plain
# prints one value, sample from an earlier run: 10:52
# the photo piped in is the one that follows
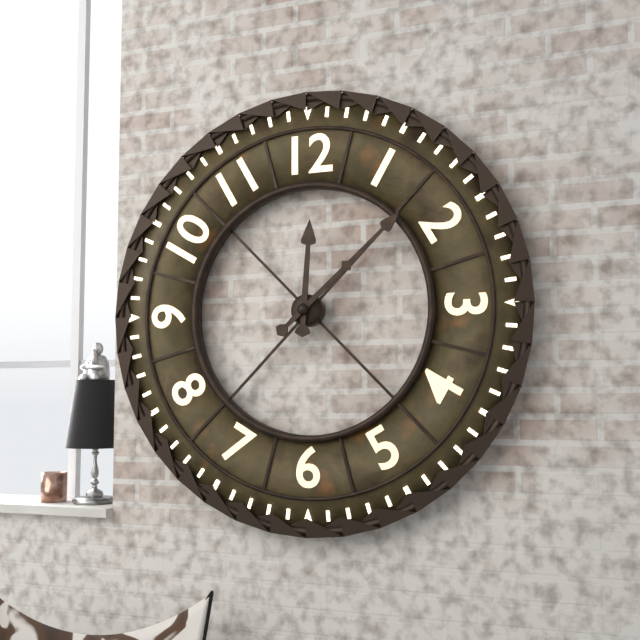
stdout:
12:08
